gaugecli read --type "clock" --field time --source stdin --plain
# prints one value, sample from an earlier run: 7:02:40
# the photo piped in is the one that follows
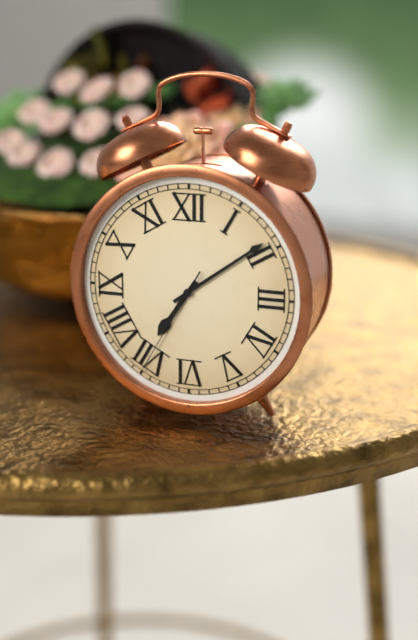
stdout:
7:09:35
